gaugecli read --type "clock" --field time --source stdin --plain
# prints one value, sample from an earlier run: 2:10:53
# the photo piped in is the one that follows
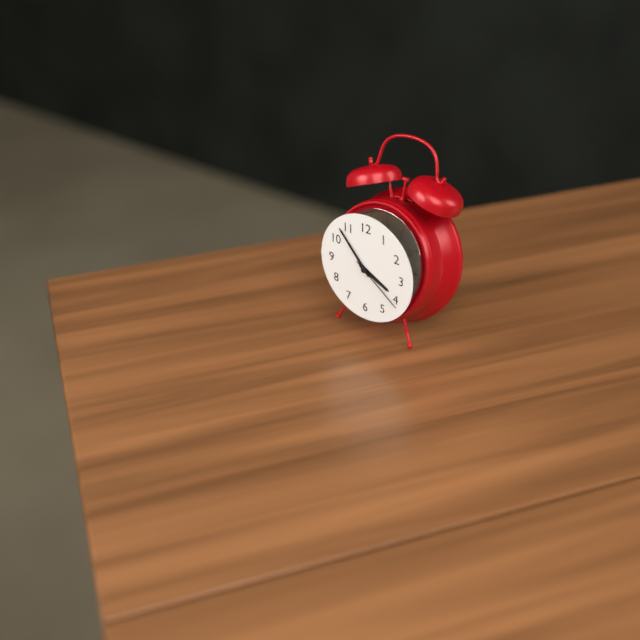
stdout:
3:53:21
